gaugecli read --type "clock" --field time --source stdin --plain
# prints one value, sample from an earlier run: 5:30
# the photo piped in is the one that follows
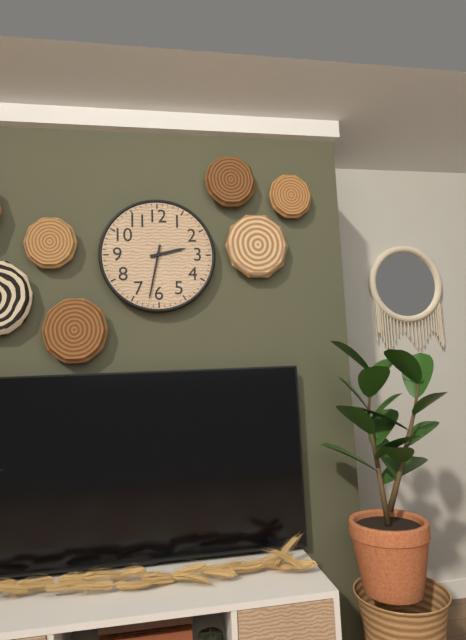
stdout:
2:32
